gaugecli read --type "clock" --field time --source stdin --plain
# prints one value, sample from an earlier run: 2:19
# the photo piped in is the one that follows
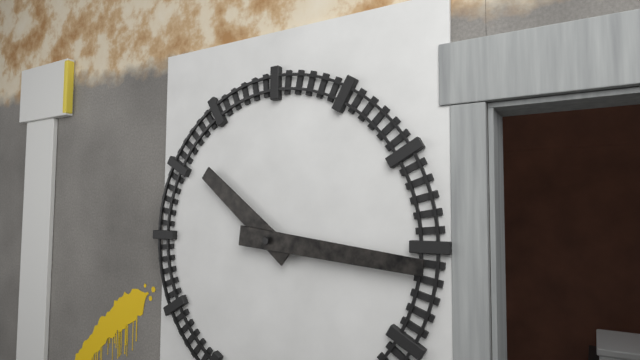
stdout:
10:16
